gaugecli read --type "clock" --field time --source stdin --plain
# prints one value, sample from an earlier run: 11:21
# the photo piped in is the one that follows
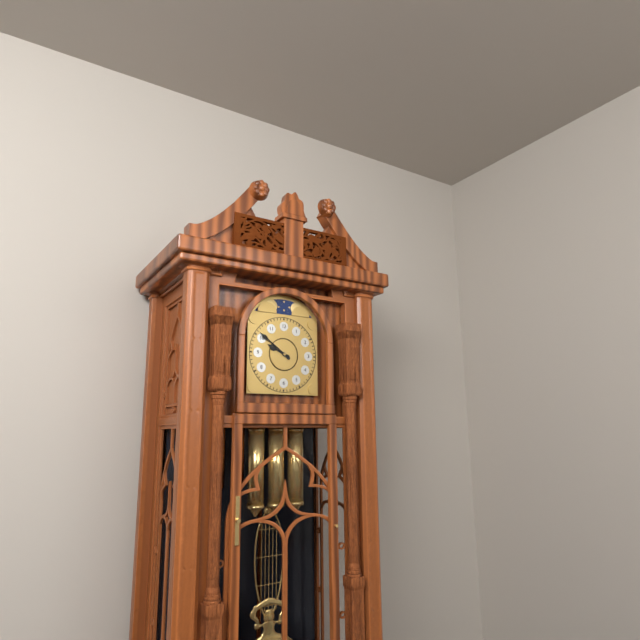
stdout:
9:51
